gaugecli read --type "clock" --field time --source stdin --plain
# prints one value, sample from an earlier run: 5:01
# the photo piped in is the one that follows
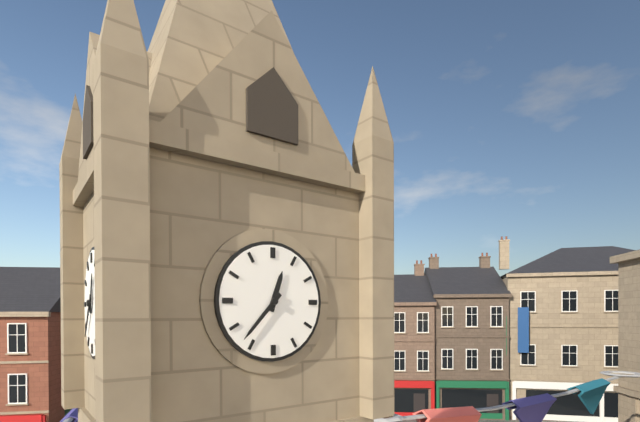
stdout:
12:37
